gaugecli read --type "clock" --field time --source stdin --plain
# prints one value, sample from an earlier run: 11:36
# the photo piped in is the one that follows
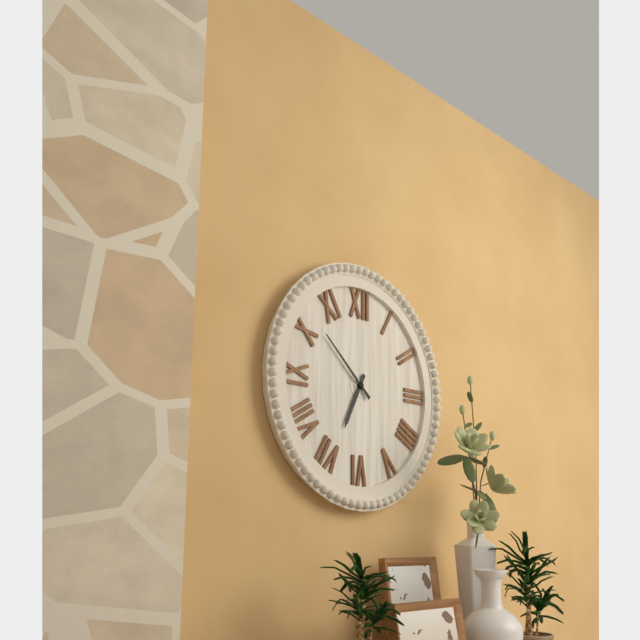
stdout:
6:52
